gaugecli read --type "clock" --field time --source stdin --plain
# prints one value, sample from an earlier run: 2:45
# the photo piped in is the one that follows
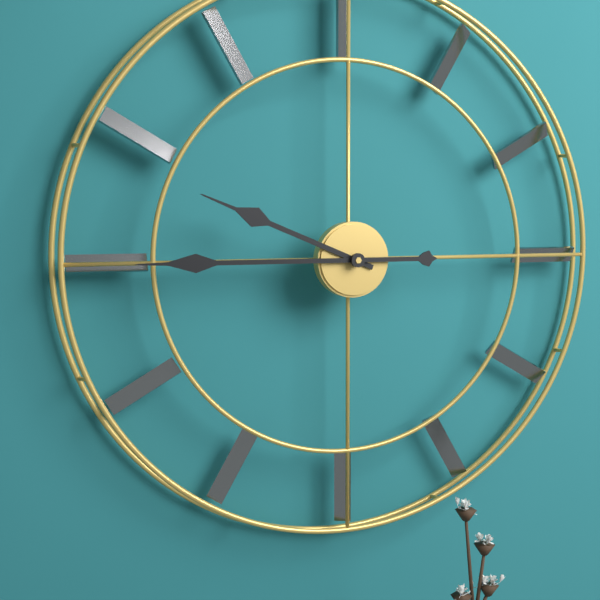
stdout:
9:45
